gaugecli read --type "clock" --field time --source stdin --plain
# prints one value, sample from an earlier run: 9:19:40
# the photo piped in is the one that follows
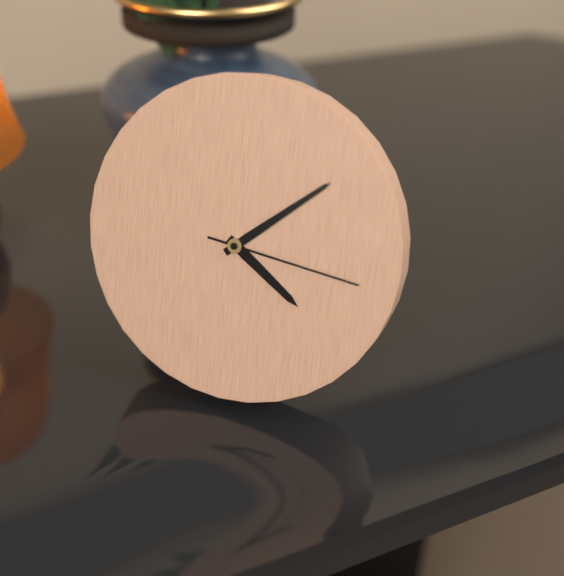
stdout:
4:08:16
